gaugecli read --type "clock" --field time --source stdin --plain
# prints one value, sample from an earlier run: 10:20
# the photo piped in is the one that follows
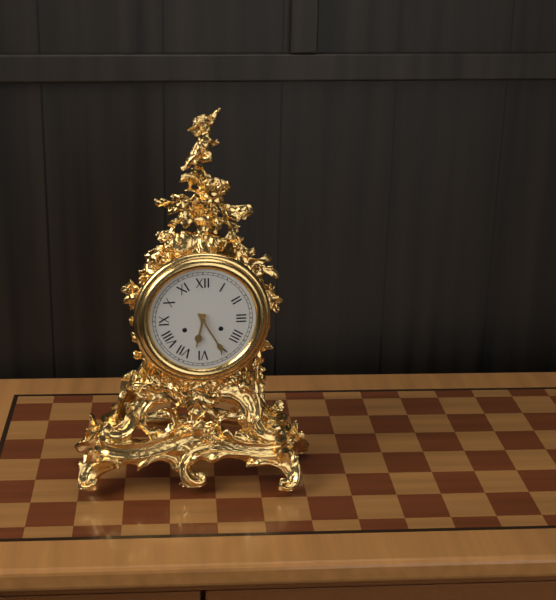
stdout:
6:25
